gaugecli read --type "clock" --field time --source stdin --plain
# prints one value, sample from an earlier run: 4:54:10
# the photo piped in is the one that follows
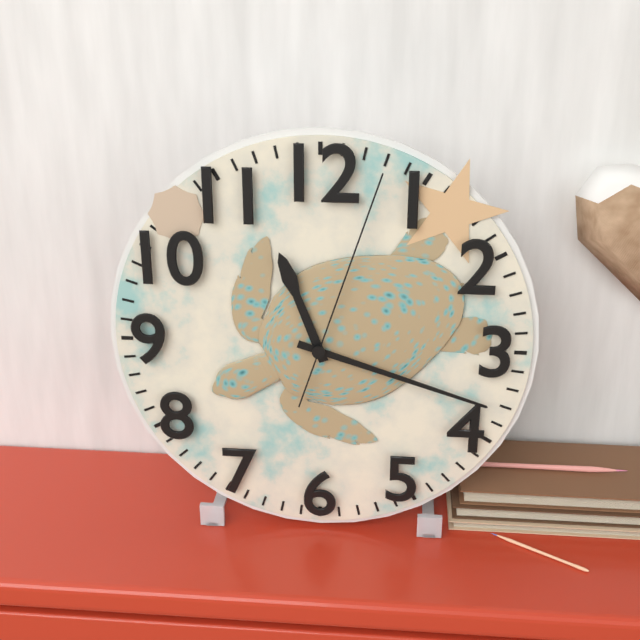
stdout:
11:18:03
